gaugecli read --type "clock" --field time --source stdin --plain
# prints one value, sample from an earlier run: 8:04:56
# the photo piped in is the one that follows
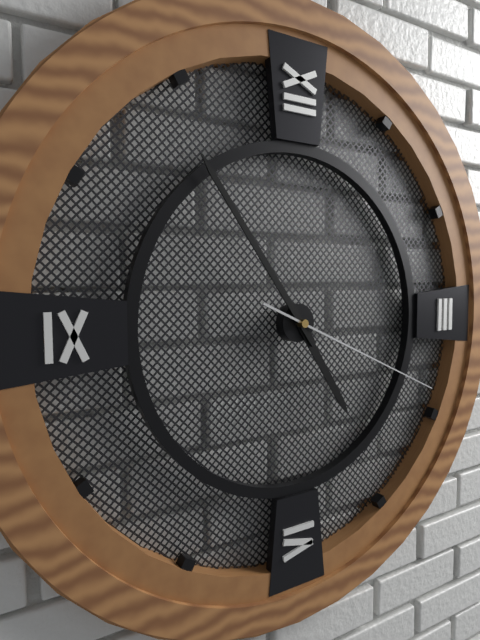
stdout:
4:54:19
